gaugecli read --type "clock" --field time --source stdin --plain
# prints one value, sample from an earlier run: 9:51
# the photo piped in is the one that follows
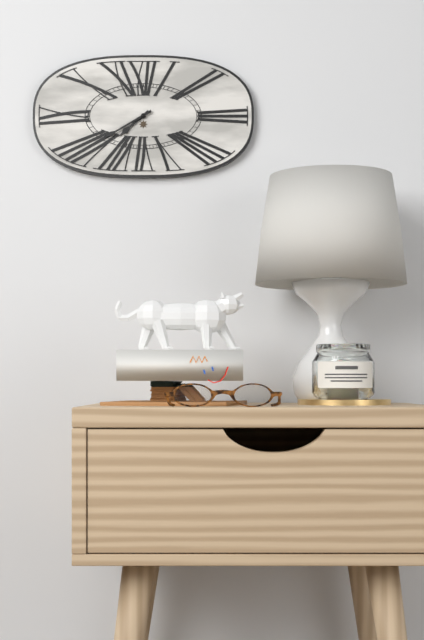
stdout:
7:40
